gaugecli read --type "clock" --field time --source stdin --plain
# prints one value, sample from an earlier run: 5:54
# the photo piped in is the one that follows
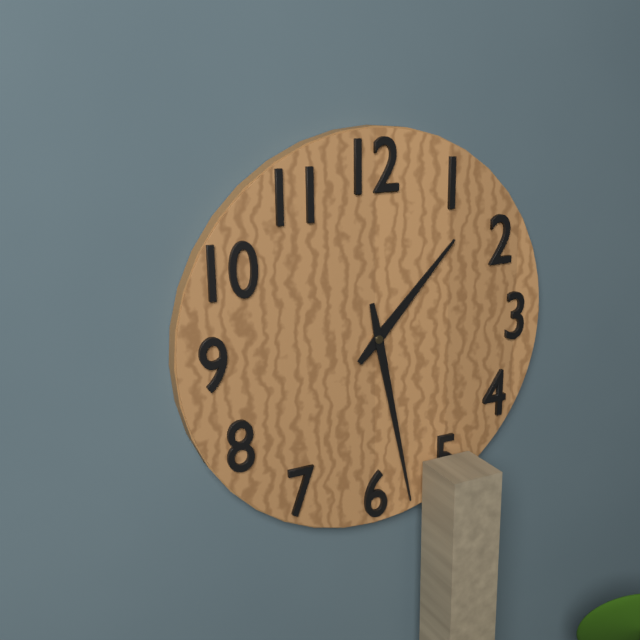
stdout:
1:28
